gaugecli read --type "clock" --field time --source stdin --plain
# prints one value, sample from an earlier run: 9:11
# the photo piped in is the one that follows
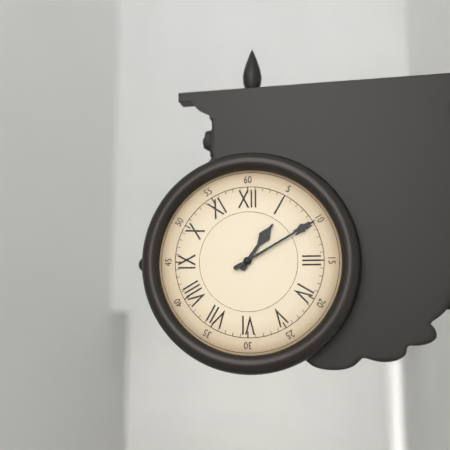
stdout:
1:10
